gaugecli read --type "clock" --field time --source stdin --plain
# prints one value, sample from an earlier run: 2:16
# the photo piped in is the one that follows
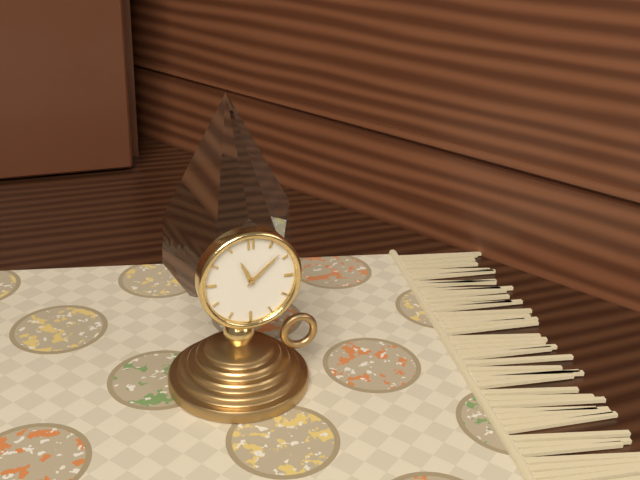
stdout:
11:08
